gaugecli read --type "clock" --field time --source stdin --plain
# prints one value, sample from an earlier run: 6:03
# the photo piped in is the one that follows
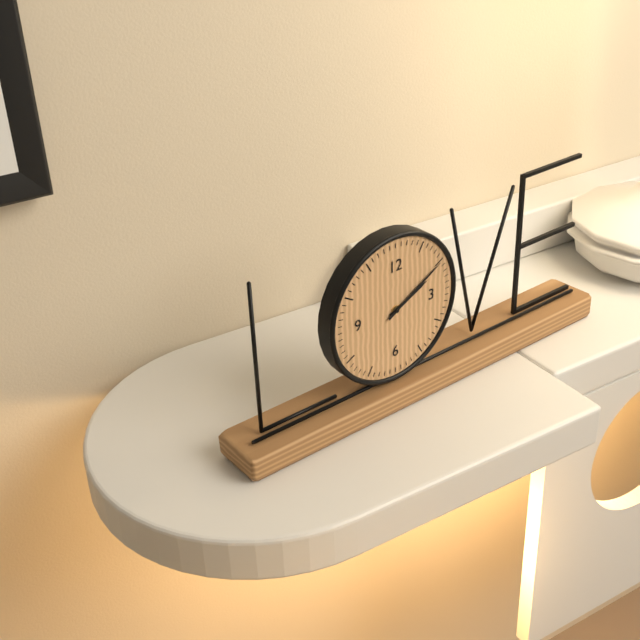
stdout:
2:10
